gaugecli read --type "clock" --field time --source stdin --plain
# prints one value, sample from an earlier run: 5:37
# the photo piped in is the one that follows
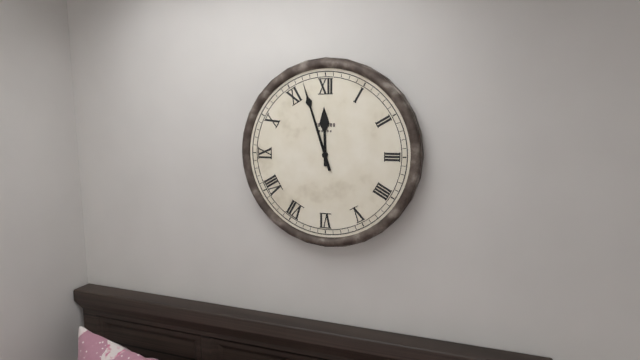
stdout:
11:57
